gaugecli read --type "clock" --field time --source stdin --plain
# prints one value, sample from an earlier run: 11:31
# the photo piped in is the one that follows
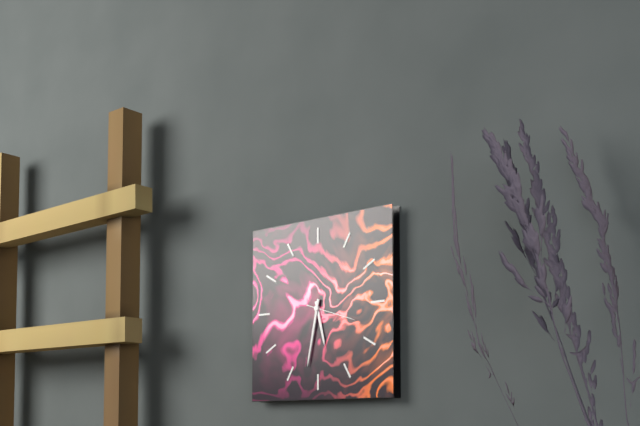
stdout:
5:32
